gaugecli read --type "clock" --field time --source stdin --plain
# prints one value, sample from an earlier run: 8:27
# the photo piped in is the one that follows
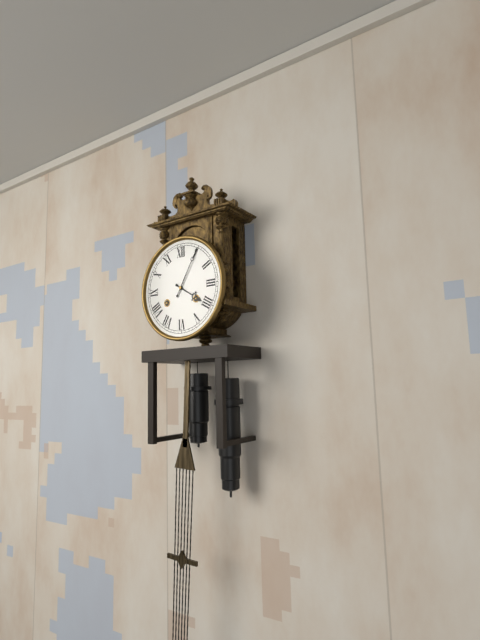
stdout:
4:05
